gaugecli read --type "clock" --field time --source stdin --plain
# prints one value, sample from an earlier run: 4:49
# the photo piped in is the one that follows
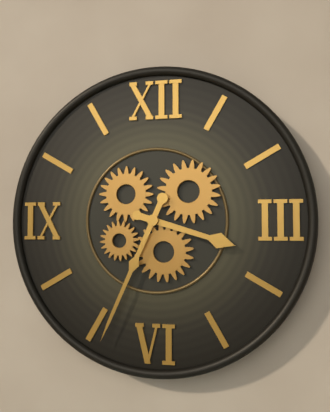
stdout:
3:34
